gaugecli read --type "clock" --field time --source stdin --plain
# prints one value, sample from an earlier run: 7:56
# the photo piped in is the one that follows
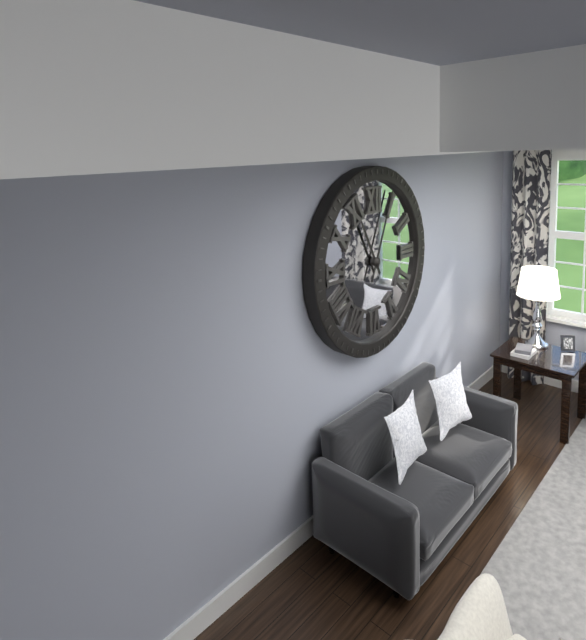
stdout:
11:04
